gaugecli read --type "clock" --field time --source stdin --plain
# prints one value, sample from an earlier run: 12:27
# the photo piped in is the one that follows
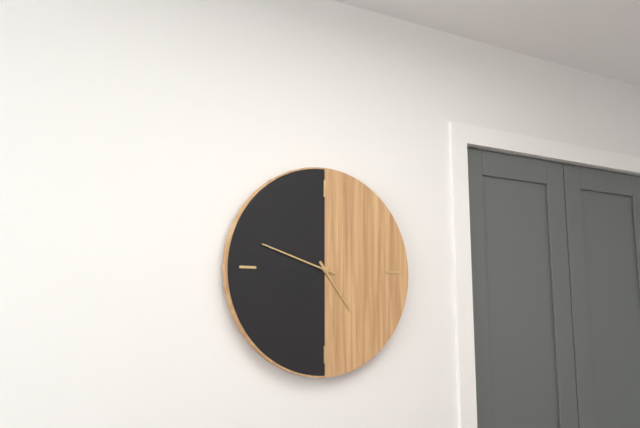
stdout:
4:48
